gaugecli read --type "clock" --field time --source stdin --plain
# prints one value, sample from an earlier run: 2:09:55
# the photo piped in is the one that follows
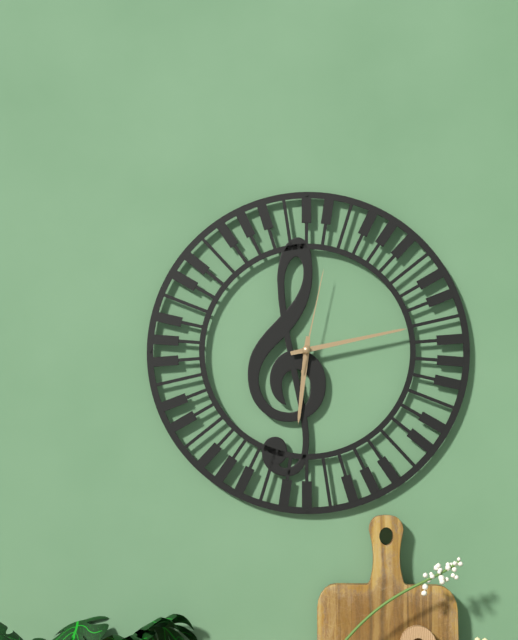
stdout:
6:13:02
